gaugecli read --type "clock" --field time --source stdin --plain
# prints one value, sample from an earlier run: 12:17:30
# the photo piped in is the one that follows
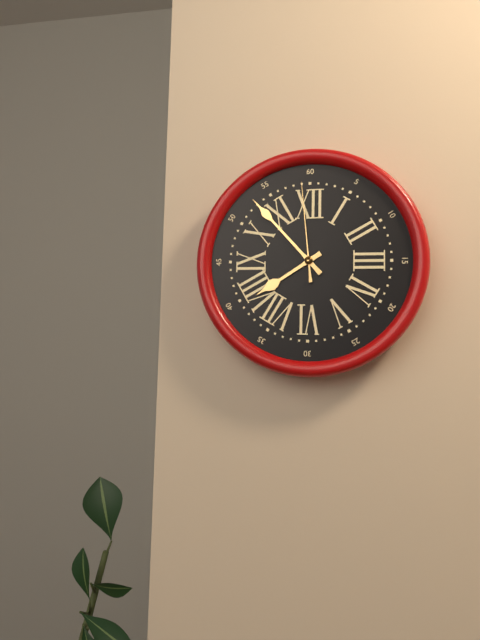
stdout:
7:53:59
